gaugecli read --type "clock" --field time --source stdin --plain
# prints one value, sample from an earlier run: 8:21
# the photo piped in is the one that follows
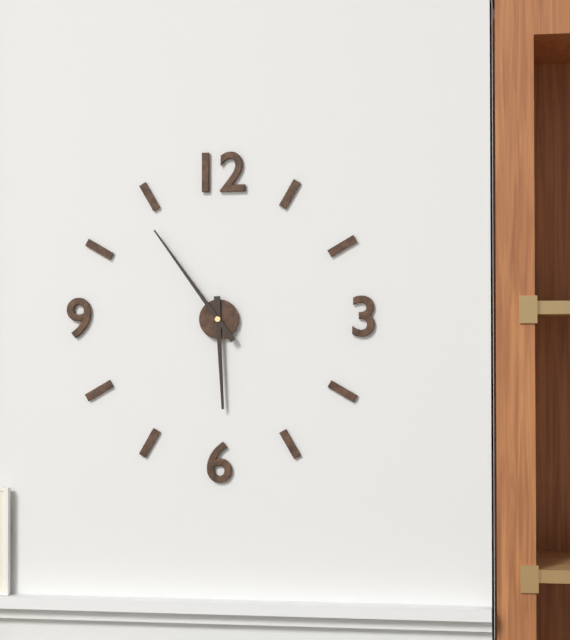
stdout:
5:54
